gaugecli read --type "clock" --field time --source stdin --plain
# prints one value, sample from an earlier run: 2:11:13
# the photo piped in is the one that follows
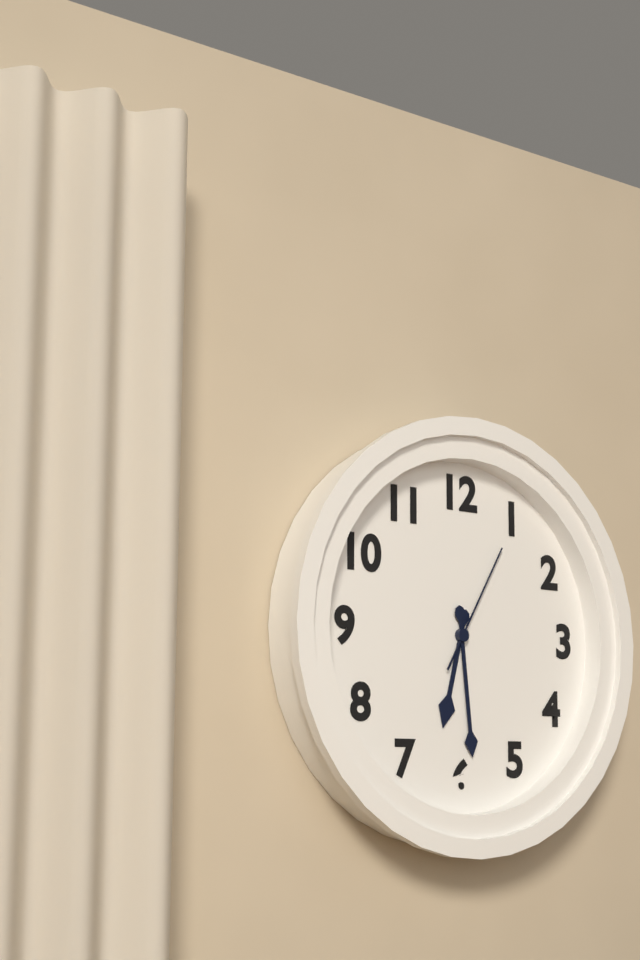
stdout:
6:29:05
